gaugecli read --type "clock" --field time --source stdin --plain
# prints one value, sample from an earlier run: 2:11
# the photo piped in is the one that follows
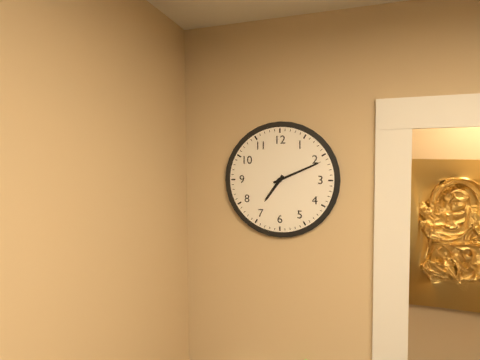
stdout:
7:11
